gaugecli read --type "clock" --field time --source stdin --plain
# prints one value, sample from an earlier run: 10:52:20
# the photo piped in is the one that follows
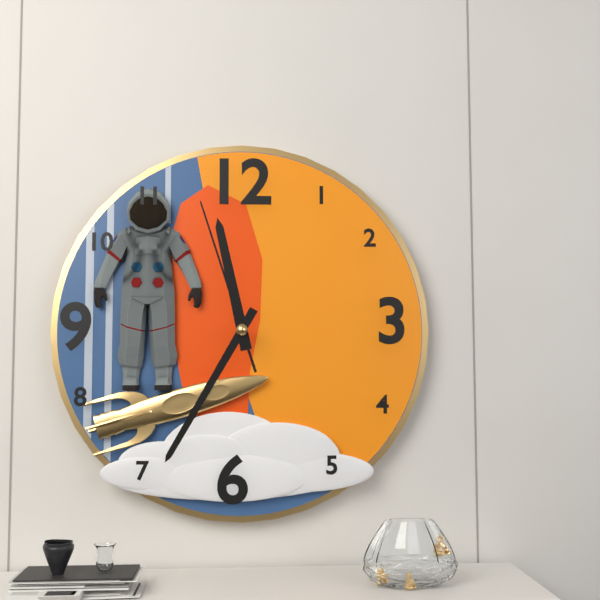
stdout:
11:35:57
